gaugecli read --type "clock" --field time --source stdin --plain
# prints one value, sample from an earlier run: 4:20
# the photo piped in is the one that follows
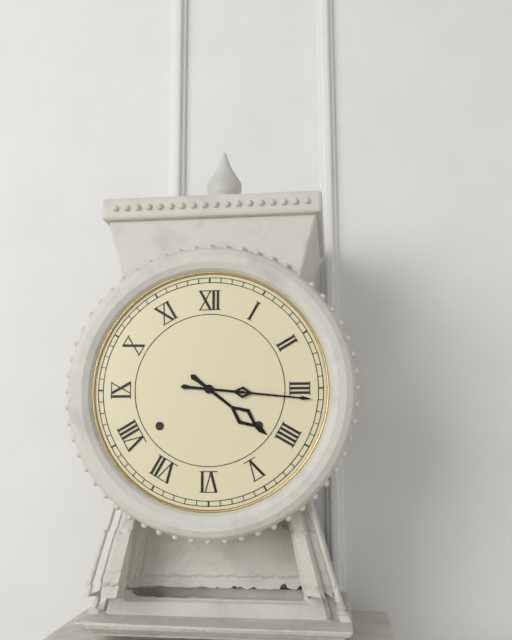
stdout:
4:16
